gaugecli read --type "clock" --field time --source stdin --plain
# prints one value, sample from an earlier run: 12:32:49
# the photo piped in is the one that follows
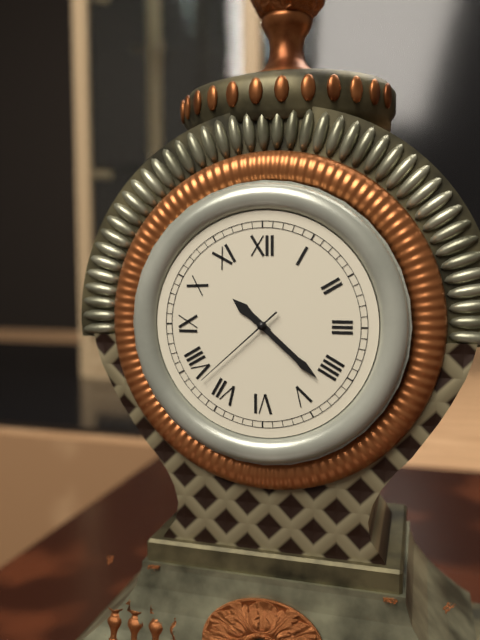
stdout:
10:22:38
